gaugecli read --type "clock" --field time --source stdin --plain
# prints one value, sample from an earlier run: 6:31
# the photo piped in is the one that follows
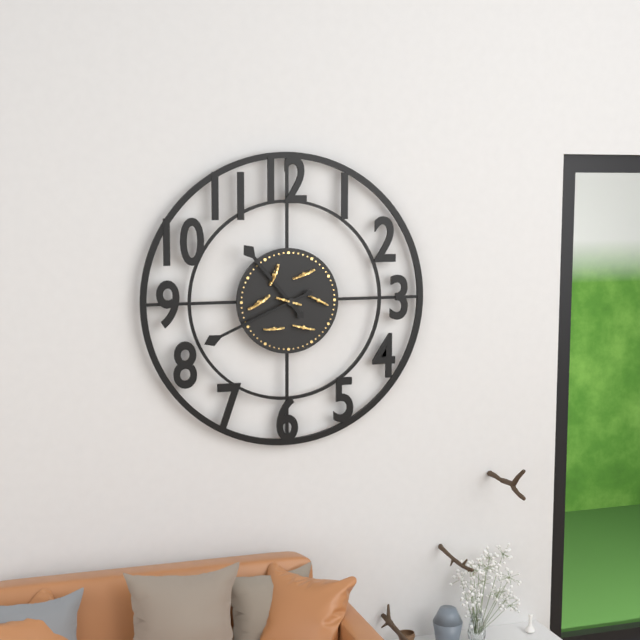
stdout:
10:41
